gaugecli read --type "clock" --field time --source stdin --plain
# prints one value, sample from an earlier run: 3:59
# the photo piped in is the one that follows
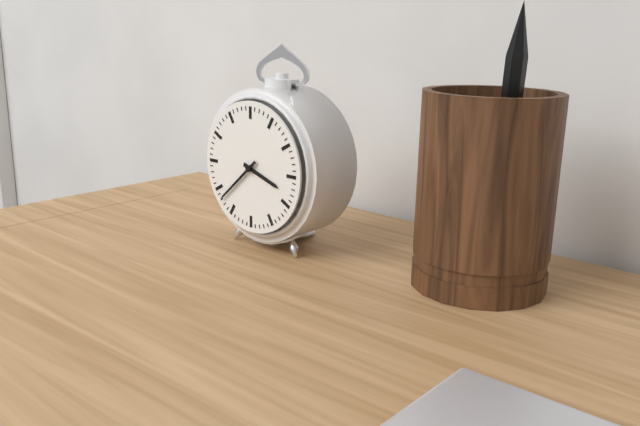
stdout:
3:38
